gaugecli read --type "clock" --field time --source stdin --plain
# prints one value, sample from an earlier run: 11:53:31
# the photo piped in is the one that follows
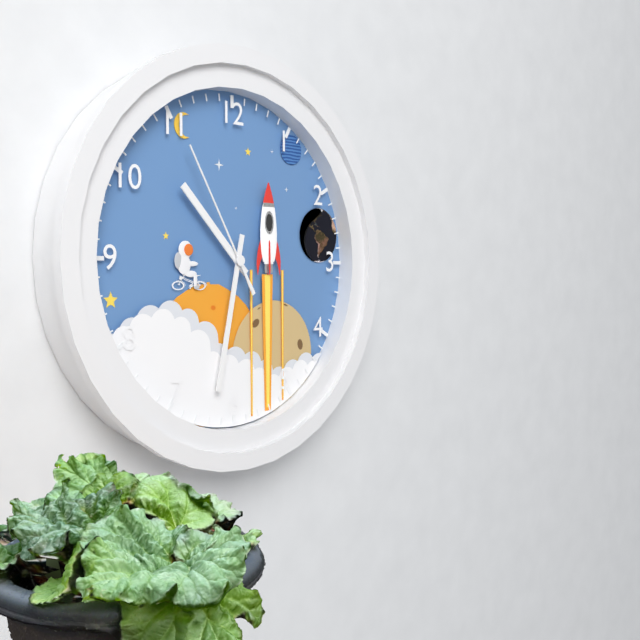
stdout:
10:32:55
